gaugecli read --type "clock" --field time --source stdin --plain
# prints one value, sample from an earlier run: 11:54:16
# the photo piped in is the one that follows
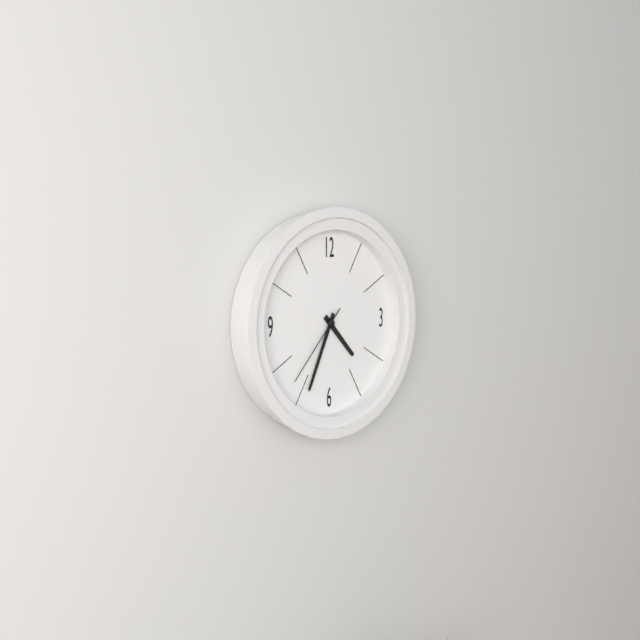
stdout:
4:34:37
